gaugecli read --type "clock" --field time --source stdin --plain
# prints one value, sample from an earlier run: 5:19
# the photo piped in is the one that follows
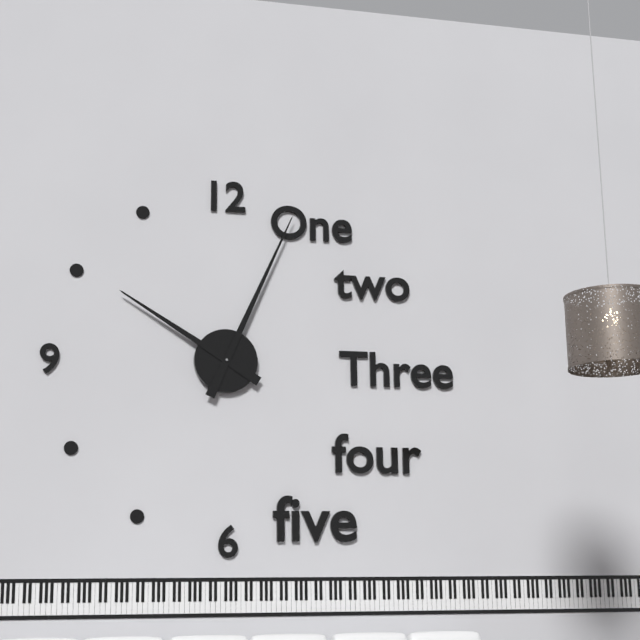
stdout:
10:04
